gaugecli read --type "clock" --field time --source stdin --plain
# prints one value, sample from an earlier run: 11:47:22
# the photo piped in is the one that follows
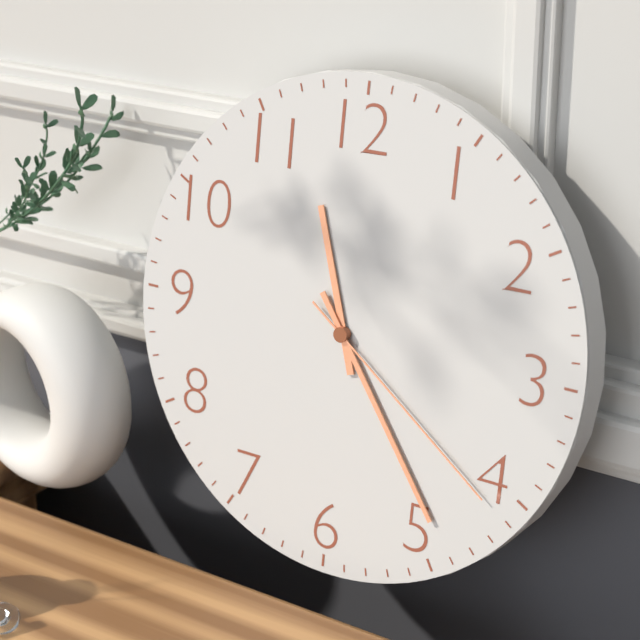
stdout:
11:24:21
